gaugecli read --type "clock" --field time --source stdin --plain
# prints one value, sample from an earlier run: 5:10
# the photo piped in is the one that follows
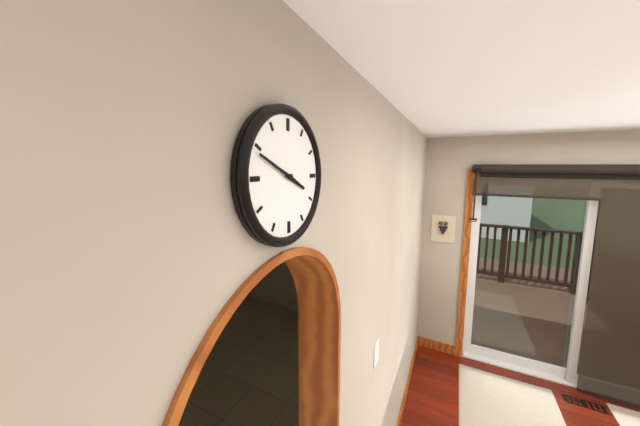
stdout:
3:49
